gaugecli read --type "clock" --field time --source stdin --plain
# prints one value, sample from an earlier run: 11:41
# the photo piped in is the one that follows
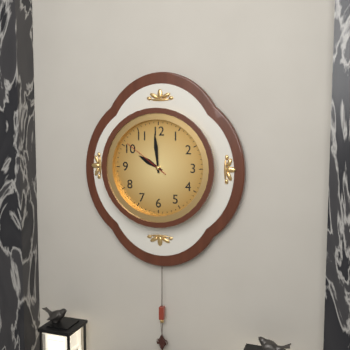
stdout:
9:59
